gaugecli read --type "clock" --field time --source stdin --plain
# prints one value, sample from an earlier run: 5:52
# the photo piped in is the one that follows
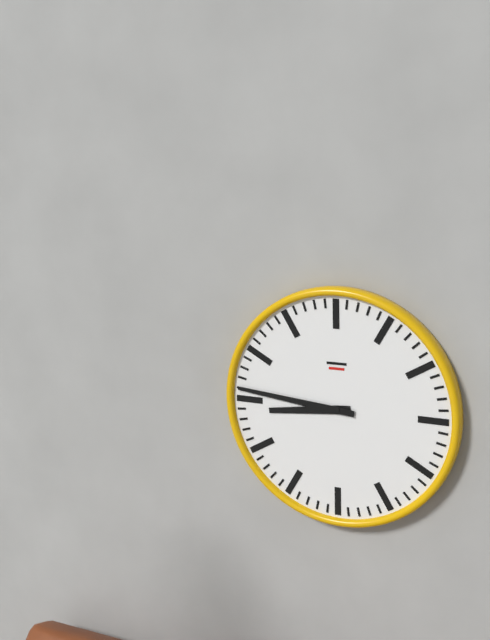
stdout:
8:46
